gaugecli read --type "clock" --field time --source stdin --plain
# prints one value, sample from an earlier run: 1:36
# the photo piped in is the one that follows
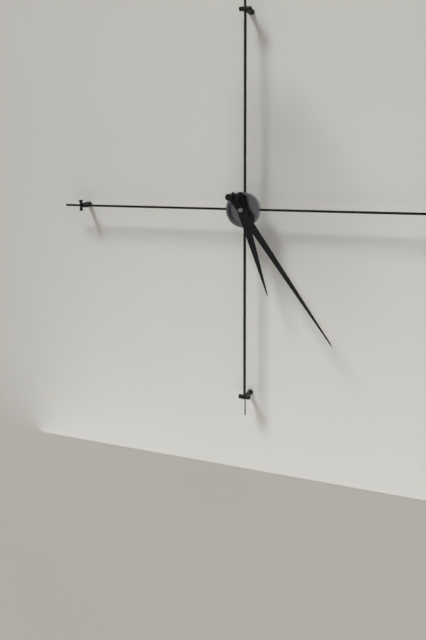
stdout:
5:24
